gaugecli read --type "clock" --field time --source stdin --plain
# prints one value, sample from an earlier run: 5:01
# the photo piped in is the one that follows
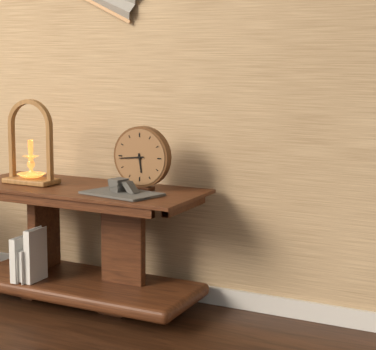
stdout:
5:44
